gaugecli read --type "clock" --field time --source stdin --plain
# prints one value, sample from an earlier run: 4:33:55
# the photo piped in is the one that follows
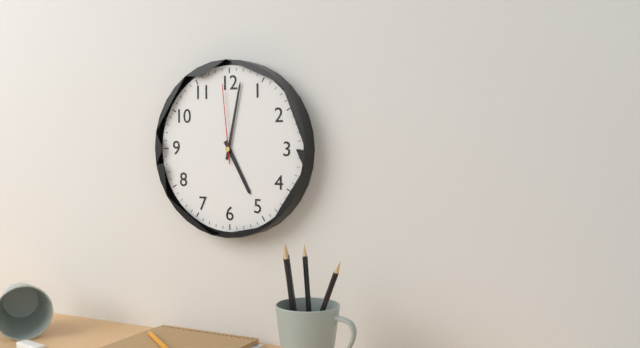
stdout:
5:02:59
